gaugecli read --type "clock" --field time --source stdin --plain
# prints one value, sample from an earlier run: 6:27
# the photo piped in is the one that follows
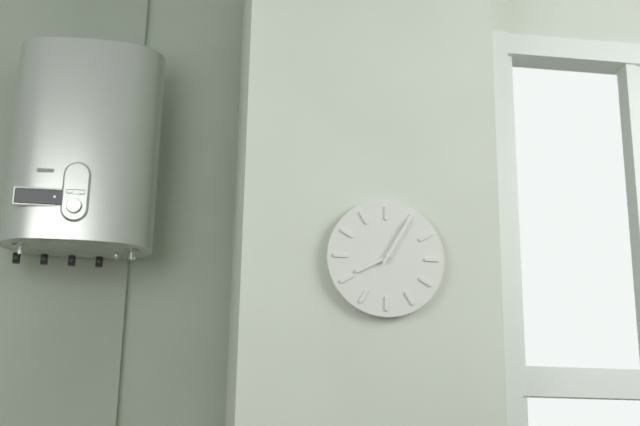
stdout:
8:05
